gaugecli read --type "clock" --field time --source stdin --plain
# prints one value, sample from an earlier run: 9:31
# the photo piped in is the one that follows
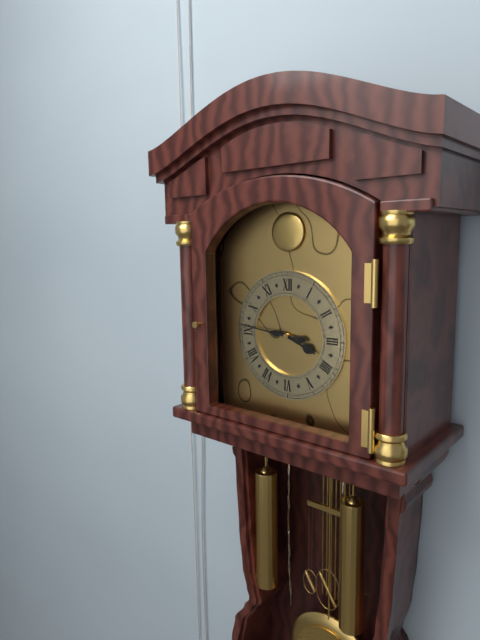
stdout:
3:46
